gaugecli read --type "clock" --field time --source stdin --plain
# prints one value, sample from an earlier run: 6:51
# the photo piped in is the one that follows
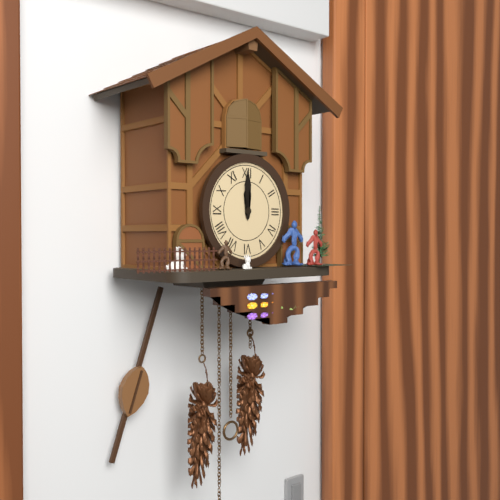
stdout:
12:00
